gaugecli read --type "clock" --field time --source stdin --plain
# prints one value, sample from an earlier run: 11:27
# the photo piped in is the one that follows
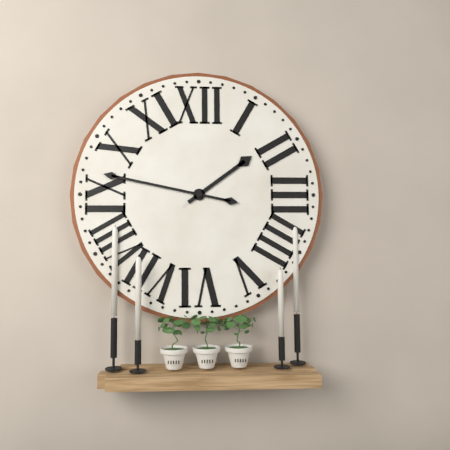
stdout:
1:47
